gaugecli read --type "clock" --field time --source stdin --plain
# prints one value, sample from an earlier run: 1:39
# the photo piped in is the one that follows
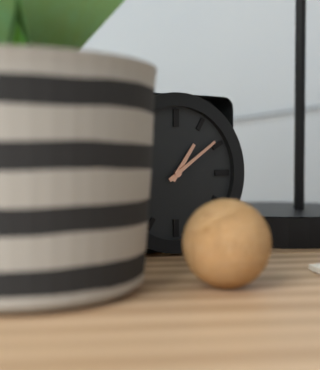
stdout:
1:09
